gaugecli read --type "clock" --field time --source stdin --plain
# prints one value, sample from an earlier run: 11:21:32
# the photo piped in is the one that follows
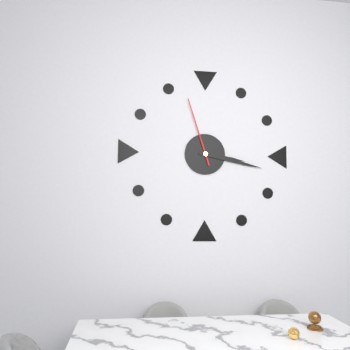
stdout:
3:17:57
